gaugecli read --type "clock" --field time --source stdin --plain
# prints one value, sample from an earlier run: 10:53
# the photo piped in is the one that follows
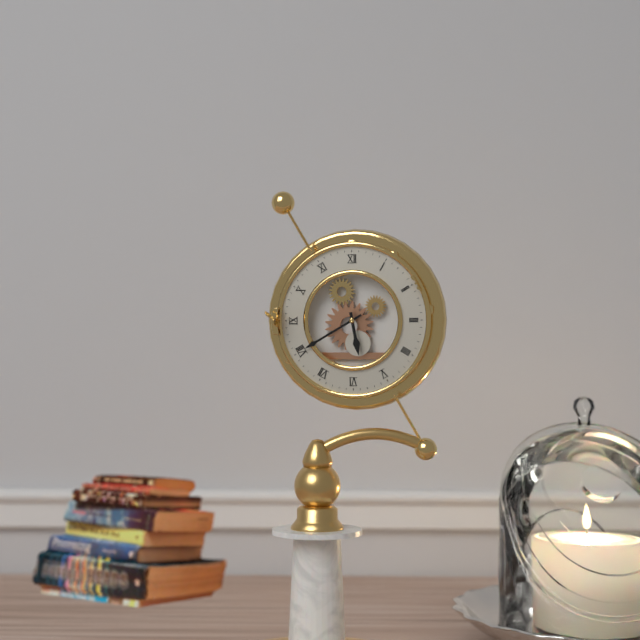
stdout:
5:40
